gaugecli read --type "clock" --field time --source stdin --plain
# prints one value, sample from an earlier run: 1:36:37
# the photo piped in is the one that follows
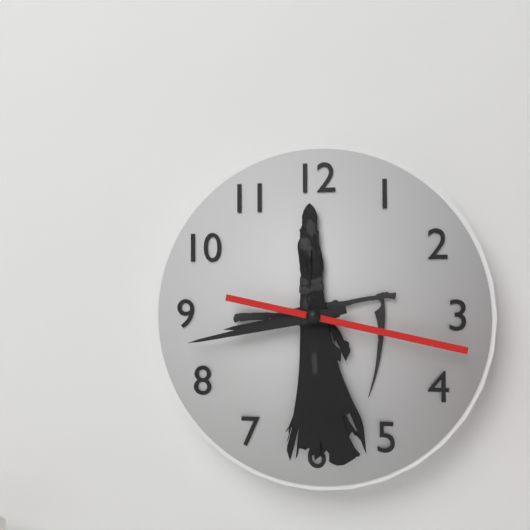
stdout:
8:43:17
